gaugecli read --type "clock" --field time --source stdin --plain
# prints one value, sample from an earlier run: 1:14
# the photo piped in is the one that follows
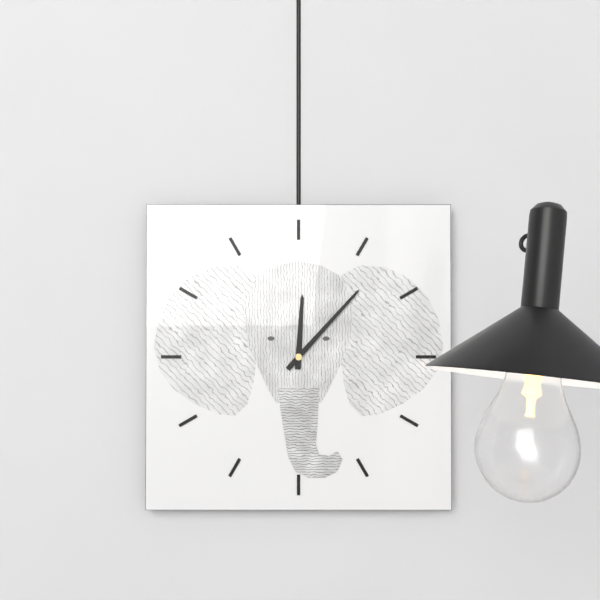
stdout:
12:07
